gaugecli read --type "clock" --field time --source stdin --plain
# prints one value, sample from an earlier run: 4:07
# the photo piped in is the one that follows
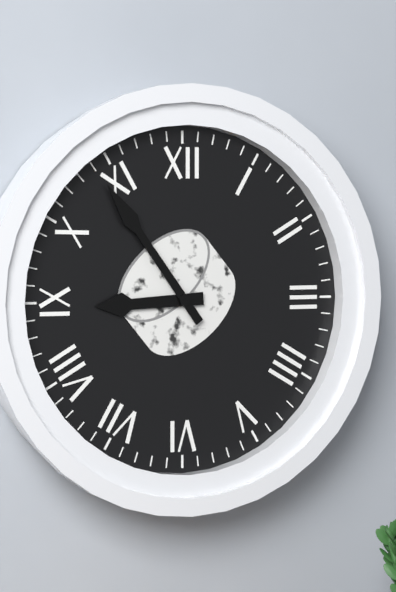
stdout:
8:54
